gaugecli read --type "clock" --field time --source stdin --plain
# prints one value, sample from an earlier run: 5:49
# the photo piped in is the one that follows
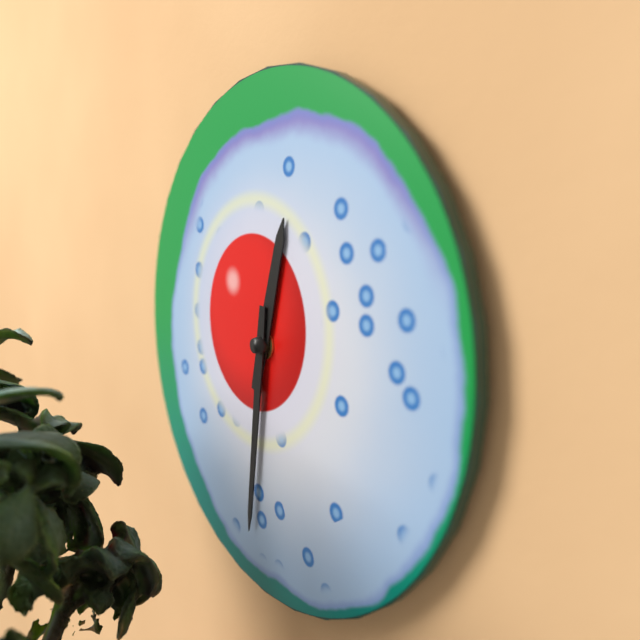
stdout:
12:31
